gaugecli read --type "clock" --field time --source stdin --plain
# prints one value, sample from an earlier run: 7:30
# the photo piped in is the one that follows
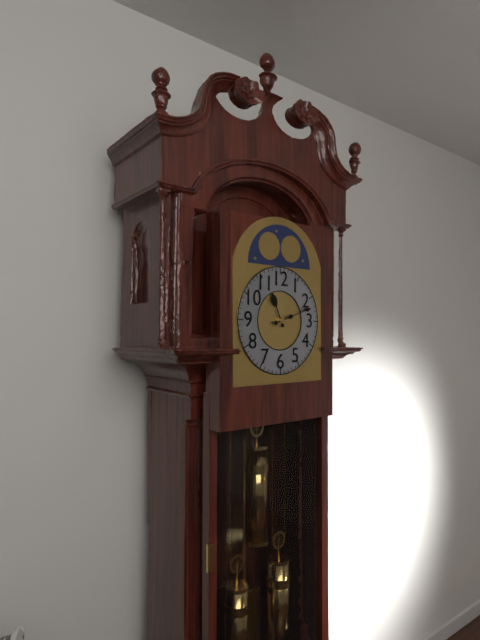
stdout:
11:12
